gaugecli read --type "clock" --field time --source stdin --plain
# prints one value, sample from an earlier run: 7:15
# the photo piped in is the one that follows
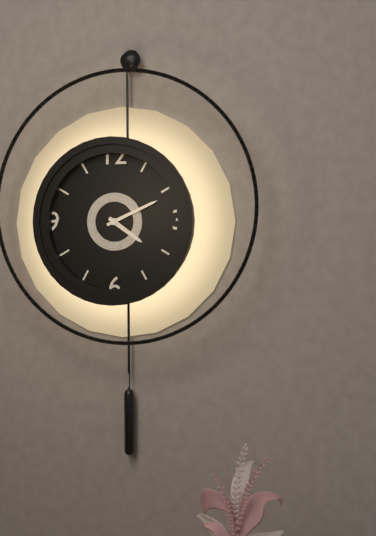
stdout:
4:11
